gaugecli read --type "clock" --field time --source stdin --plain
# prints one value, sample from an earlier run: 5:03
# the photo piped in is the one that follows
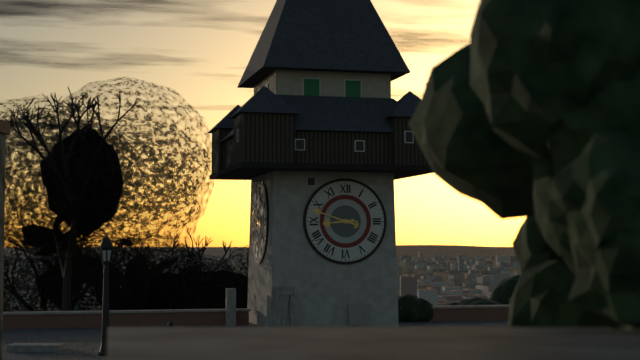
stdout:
8:48
